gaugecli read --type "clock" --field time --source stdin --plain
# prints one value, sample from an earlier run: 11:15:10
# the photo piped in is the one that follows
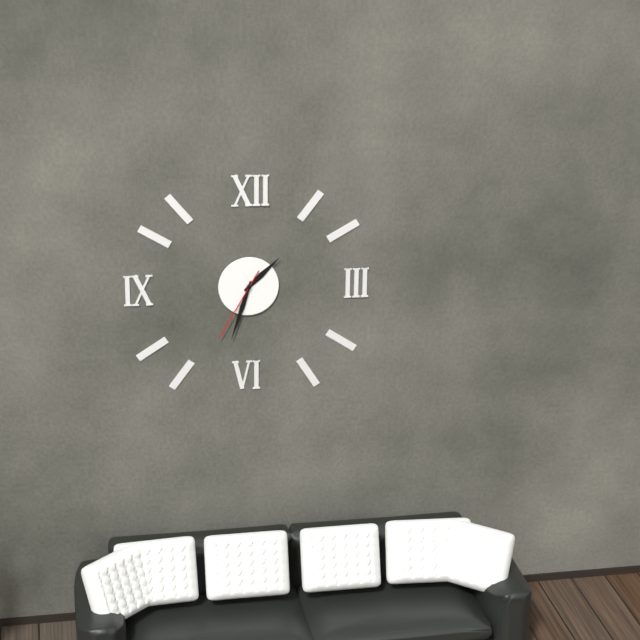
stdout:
1:33:35
